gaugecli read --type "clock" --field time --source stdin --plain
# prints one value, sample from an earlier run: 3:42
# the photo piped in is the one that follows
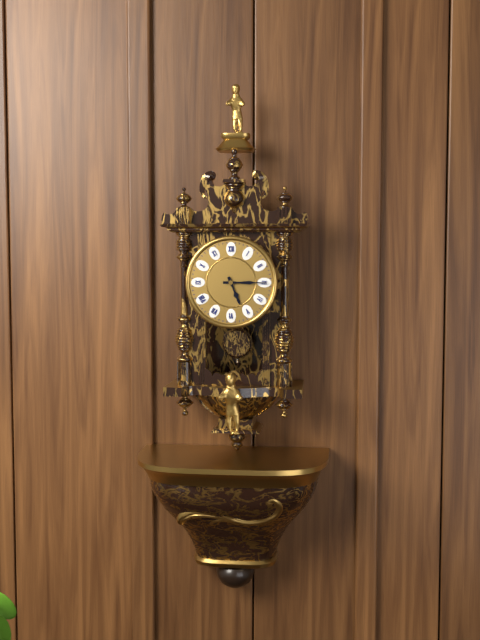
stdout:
5:15
